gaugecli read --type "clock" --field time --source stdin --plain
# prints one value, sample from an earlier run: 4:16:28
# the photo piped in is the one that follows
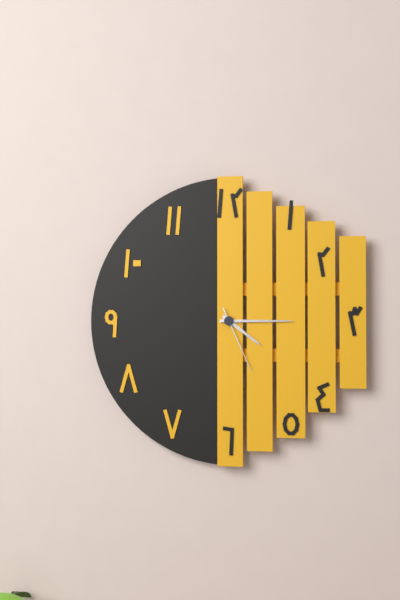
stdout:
4:15:26
